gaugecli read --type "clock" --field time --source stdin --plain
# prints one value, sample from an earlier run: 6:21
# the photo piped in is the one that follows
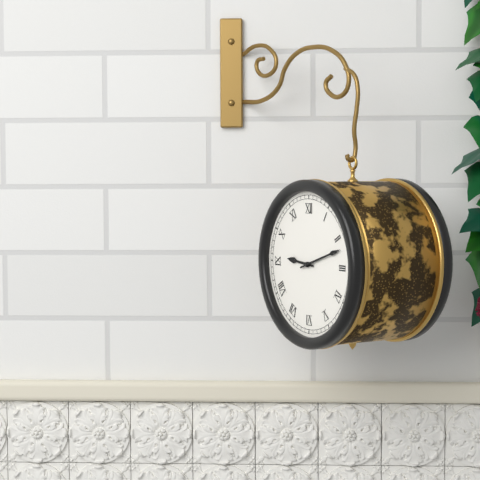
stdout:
9:12
